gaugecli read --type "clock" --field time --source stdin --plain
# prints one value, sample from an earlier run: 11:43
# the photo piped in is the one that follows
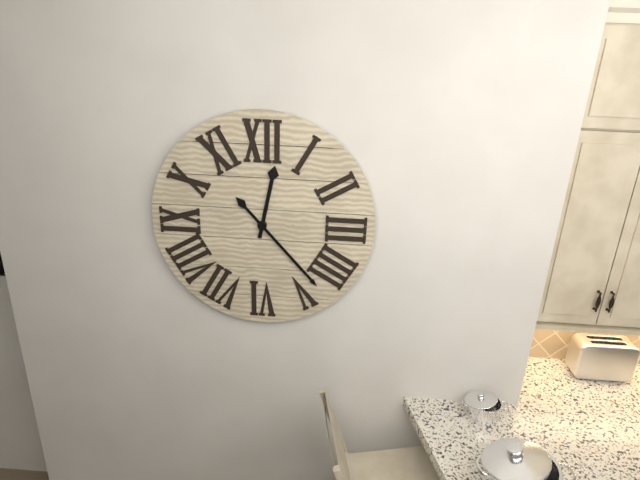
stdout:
12:23
